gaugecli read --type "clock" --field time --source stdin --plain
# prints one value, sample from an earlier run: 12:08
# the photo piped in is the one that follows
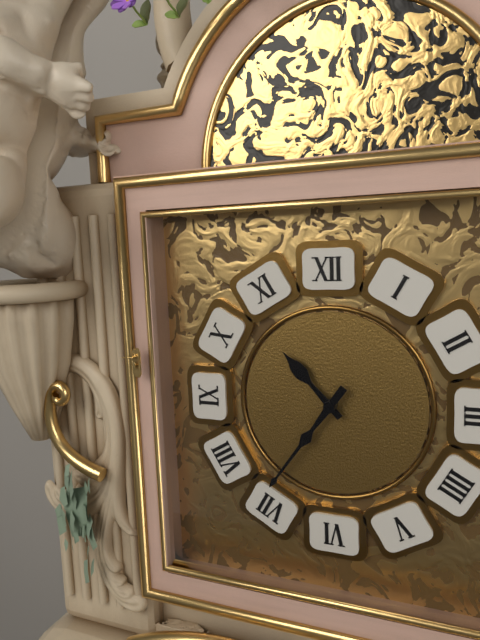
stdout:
10:36
